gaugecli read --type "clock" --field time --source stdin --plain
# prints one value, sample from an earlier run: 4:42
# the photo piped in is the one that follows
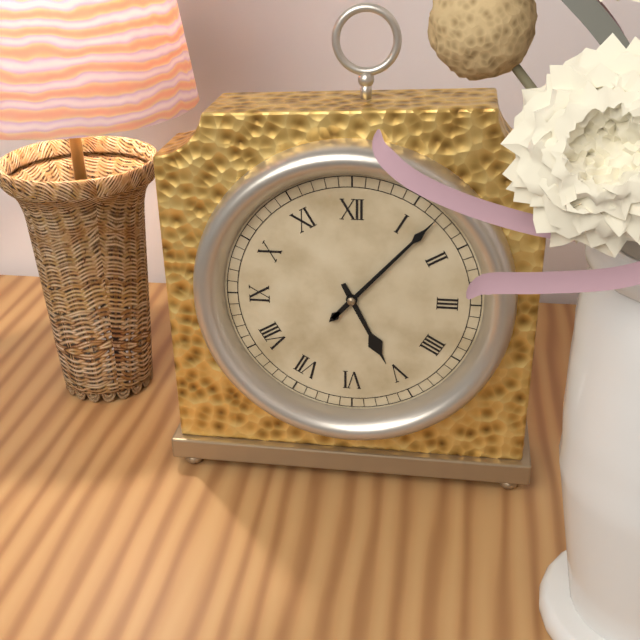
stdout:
5:07
